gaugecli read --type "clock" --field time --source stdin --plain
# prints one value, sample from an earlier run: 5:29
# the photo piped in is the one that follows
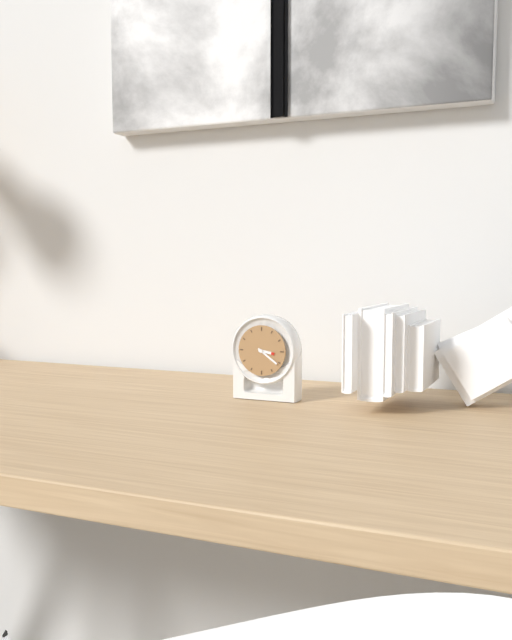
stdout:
3:21
